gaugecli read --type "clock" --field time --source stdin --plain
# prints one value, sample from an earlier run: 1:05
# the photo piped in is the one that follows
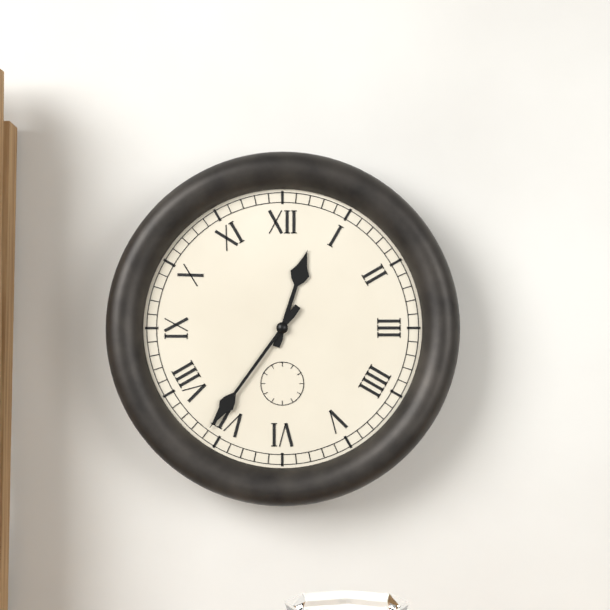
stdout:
12:36
